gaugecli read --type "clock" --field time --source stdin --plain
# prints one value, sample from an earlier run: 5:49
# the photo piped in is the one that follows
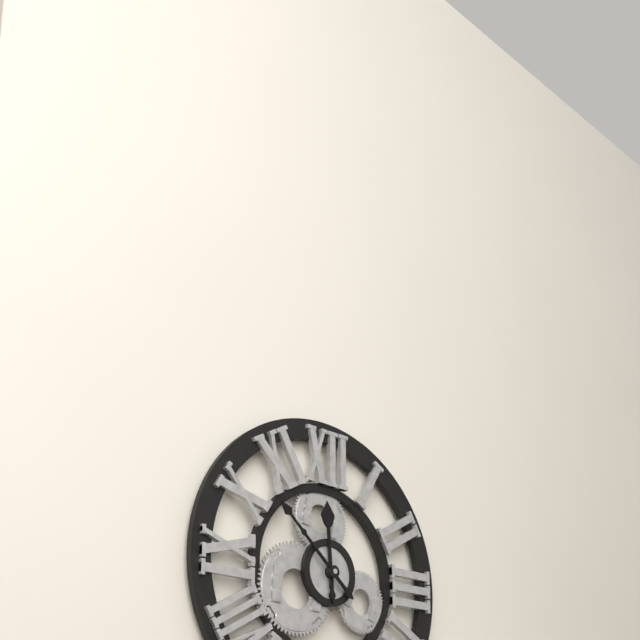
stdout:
11:52
